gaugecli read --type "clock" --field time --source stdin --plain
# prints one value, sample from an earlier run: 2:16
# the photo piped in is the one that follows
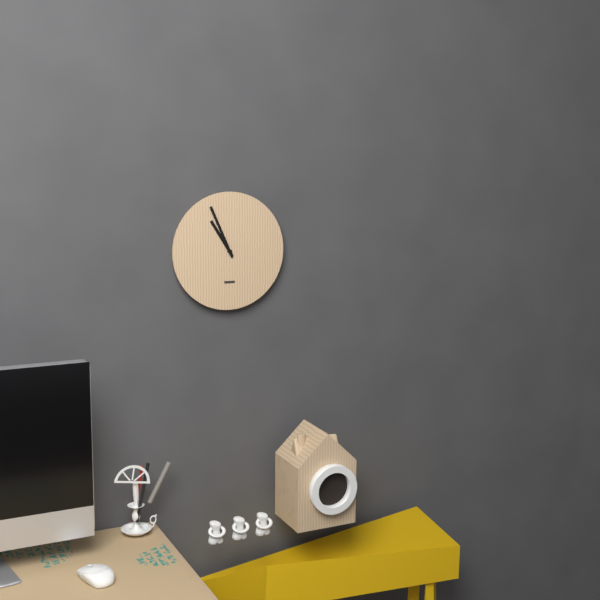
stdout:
10:56
